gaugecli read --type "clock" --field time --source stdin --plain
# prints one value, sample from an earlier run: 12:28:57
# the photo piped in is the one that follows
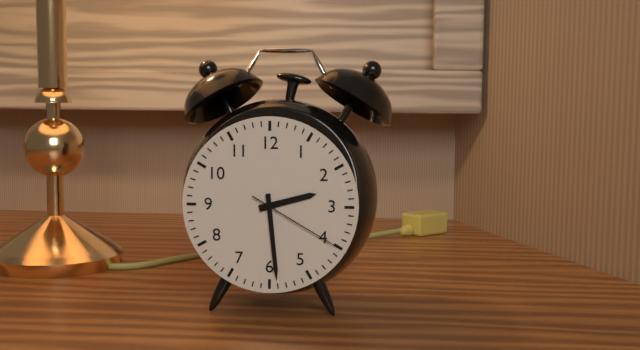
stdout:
2:29:20
